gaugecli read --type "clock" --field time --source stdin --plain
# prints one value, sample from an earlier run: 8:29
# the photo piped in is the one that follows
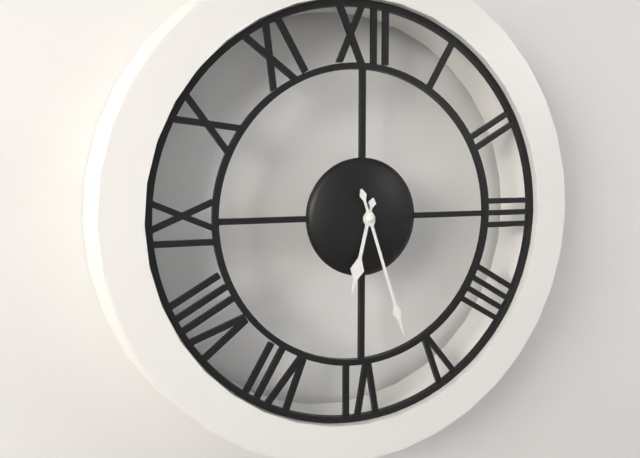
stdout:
6:27
